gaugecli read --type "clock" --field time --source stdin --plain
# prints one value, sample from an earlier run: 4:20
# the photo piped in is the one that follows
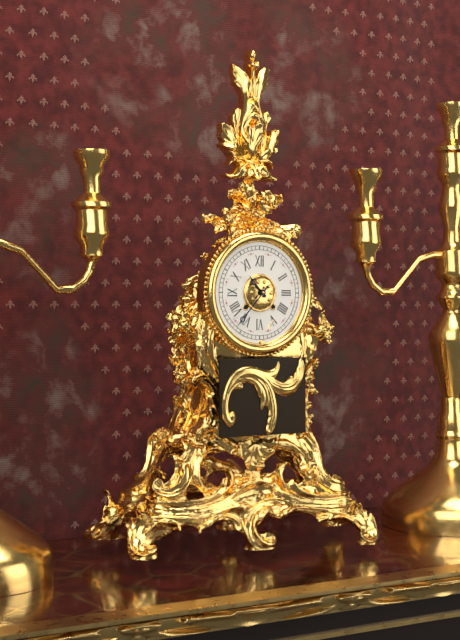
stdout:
10:37
